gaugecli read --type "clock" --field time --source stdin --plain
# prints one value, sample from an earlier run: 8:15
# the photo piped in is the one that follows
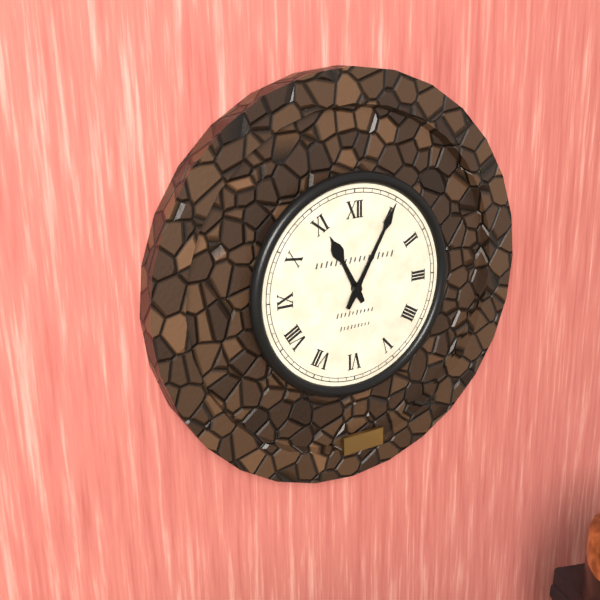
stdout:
11:05
